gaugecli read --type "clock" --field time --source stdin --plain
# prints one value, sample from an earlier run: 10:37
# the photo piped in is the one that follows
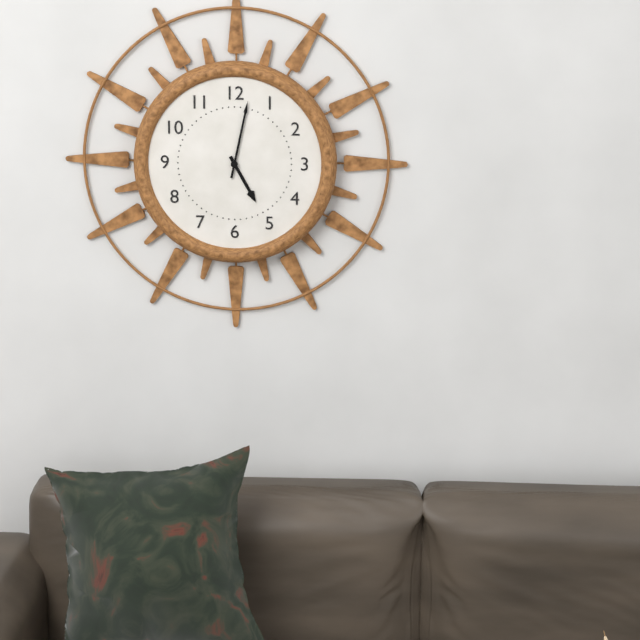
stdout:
5:02
